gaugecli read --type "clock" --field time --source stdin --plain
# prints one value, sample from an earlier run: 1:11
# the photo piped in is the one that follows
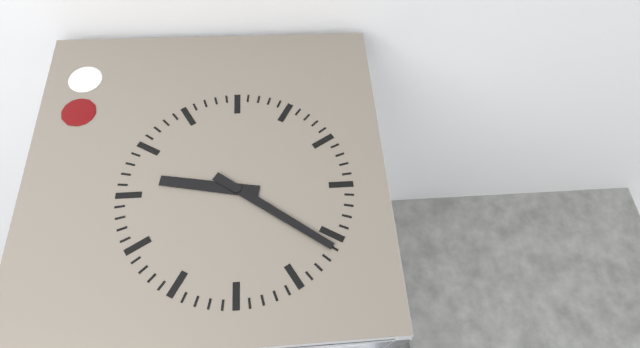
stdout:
9:21
